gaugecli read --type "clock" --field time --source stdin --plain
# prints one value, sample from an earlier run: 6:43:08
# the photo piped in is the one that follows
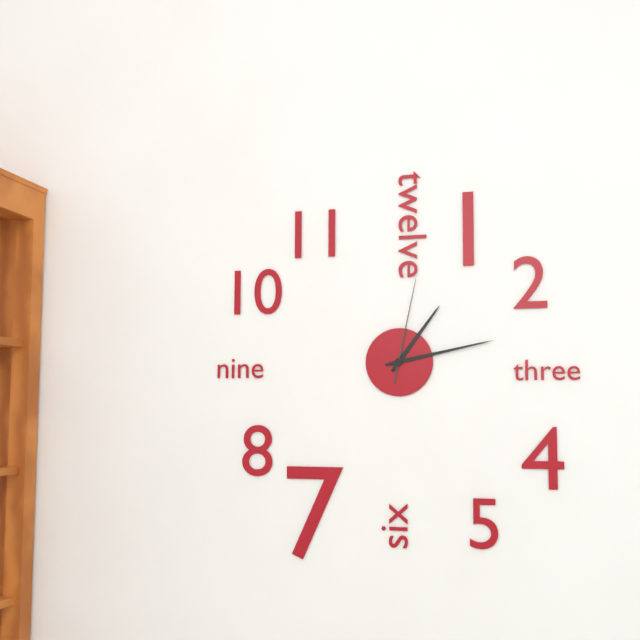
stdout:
1:13:02
